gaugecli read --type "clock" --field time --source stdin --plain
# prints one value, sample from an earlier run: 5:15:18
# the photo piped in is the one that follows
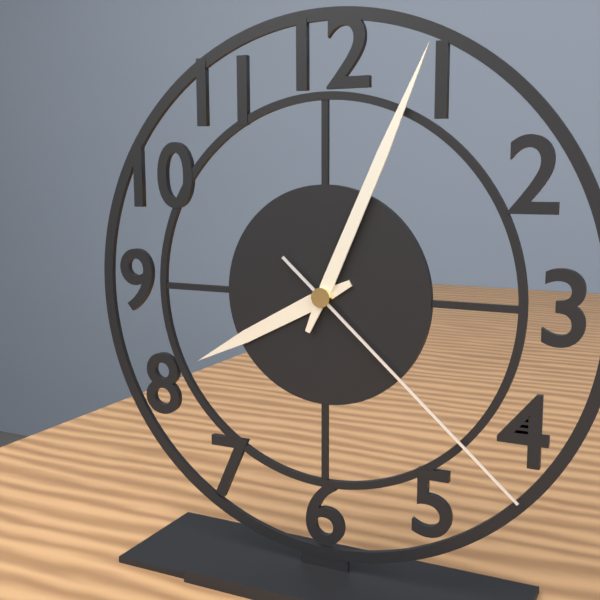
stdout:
8:04:22
